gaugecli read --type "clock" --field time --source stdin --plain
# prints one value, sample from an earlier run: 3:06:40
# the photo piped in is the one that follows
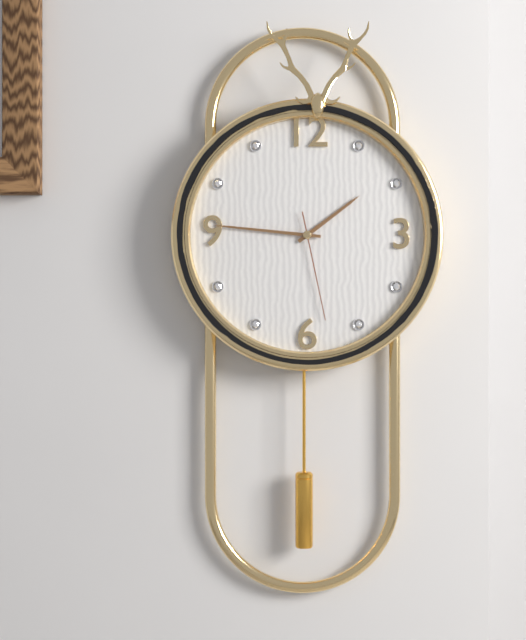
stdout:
1:46:28
